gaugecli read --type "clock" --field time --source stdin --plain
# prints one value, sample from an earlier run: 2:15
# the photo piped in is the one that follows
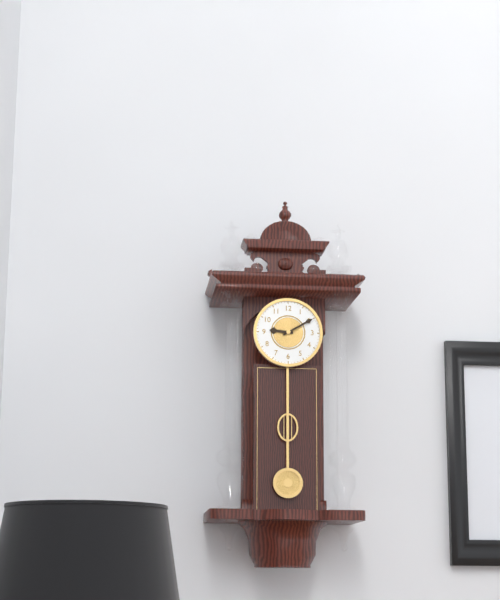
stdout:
9:10
